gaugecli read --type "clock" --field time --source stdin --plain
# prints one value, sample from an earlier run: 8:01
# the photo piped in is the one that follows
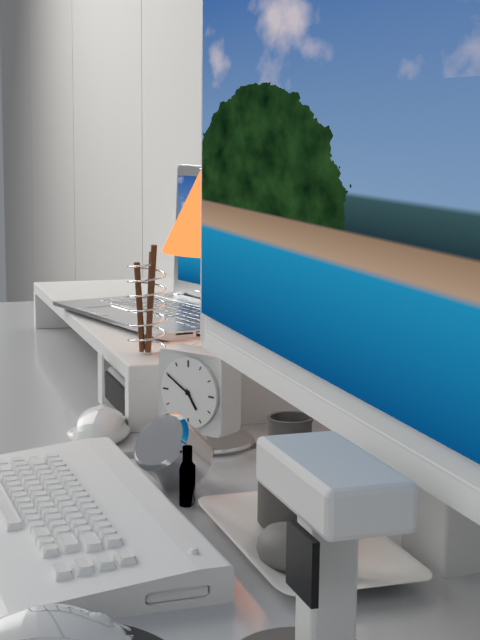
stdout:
4:50
